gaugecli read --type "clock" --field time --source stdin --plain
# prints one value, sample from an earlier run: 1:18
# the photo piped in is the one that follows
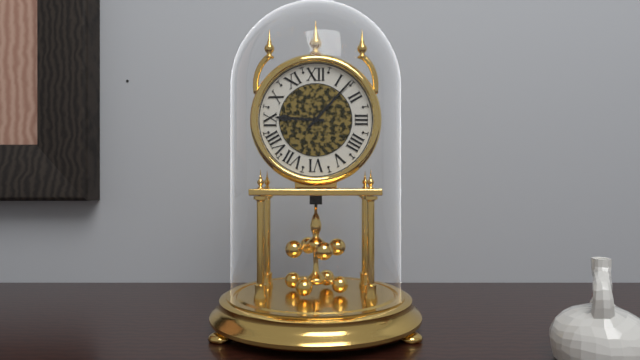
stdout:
9:07
